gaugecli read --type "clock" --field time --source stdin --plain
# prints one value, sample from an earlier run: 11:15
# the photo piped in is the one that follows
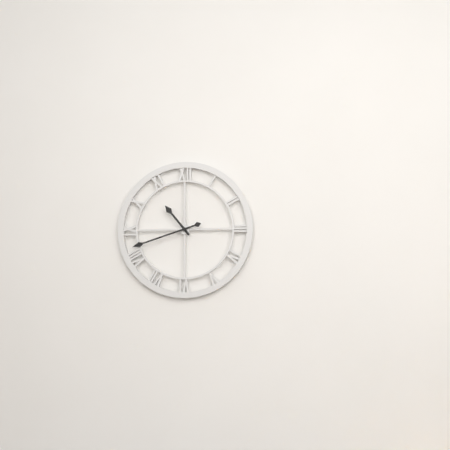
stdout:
10:42
